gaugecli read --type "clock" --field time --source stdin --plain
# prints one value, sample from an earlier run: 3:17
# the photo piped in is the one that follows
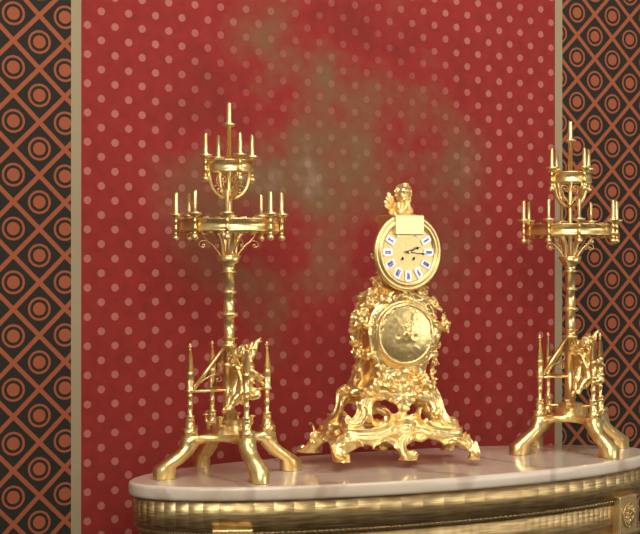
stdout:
2:16
